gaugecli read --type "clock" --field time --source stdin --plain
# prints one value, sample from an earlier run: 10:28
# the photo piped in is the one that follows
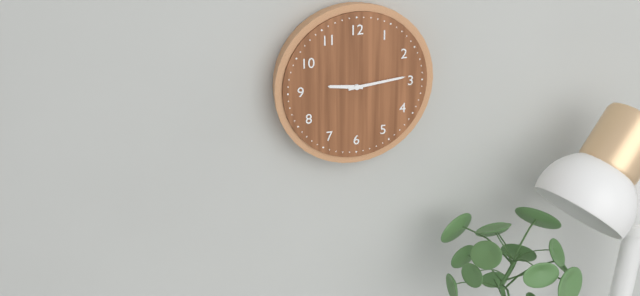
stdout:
9:14
